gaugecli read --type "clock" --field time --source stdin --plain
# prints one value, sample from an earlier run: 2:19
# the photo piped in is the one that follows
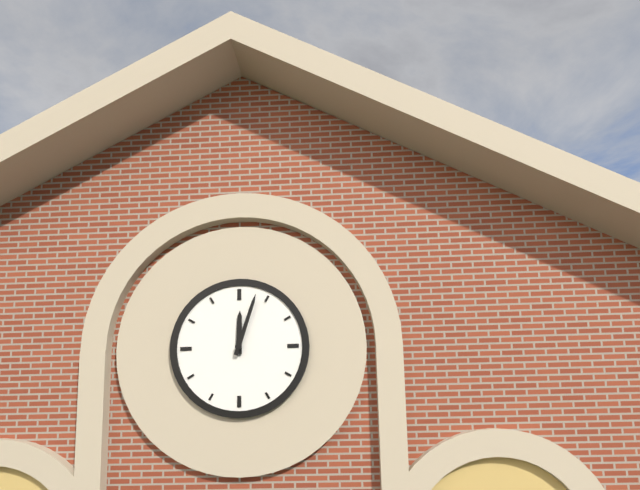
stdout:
12:03
